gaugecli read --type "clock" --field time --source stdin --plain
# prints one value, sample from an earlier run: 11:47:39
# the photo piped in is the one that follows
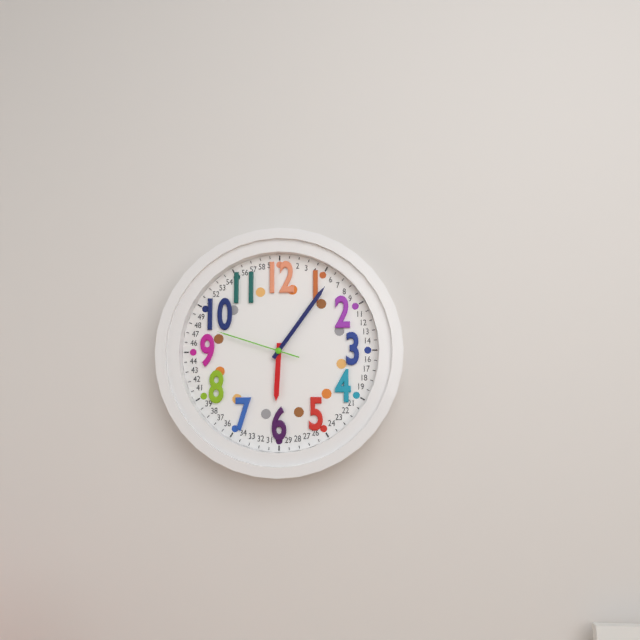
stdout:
6:06:48
